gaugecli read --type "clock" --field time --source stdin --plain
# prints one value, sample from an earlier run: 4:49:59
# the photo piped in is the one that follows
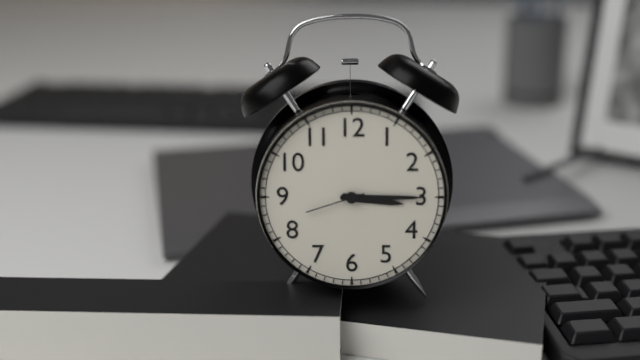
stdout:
3:15:42
